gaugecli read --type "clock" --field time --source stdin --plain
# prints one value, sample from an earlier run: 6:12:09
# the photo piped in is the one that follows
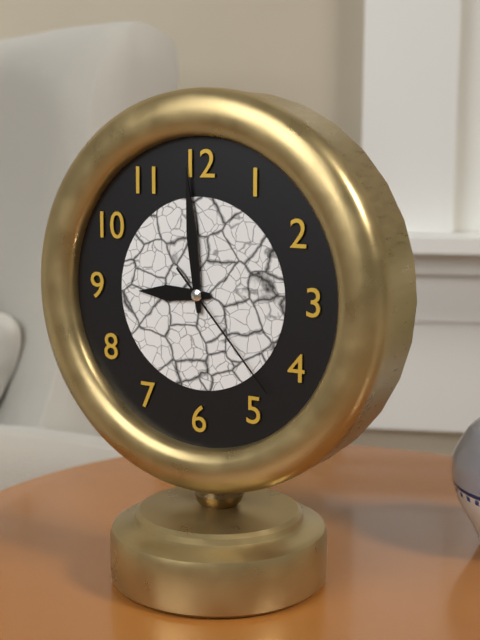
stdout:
8:59:23
